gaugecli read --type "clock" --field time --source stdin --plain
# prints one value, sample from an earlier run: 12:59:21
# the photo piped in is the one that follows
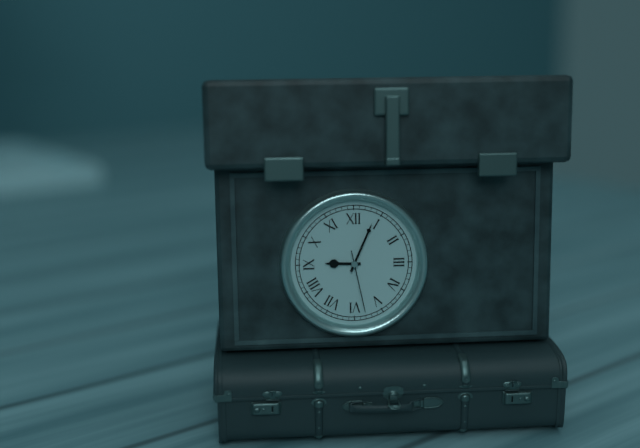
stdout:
9:04:28
